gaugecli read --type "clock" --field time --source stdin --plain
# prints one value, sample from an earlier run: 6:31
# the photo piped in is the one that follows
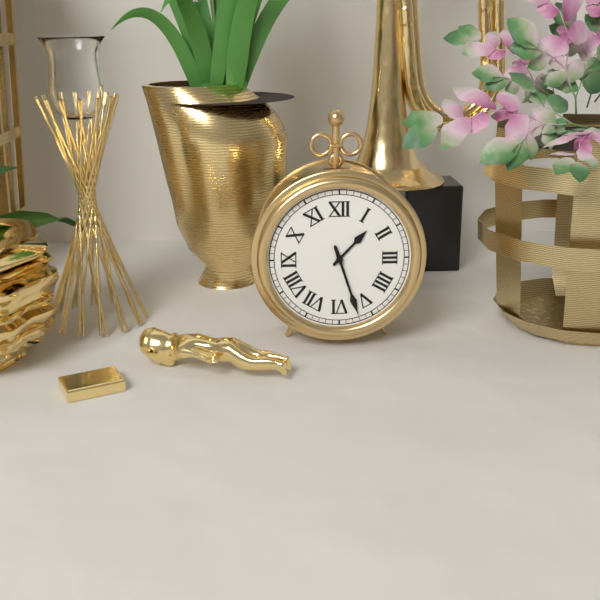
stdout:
1:27
